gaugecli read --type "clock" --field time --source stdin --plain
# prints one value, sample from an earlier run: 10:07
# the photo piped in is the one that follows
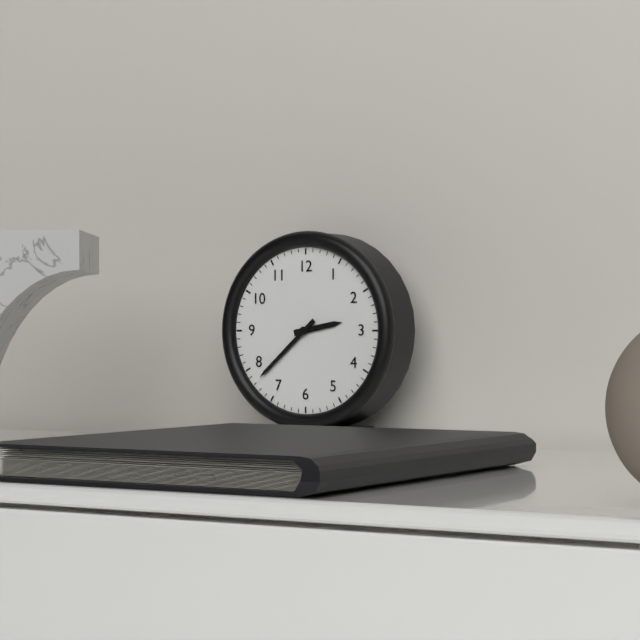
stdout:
2:38
